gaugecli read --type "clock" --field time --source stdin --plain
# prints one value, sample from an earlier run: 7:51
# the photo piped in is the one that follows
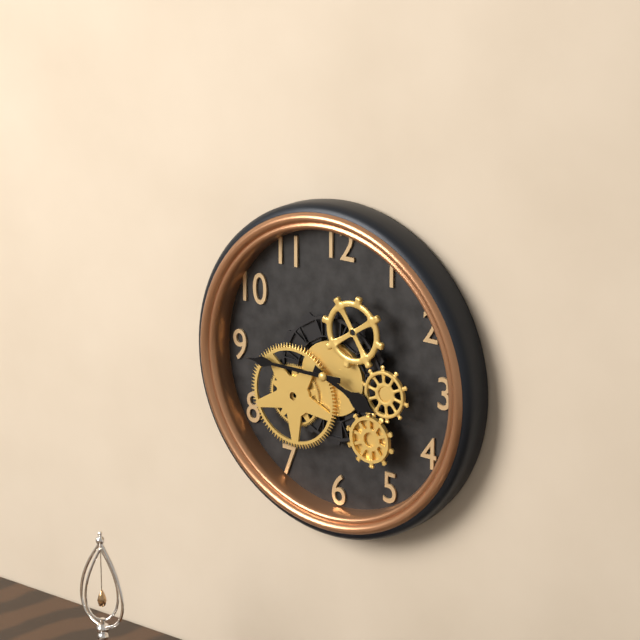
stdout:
3:45
